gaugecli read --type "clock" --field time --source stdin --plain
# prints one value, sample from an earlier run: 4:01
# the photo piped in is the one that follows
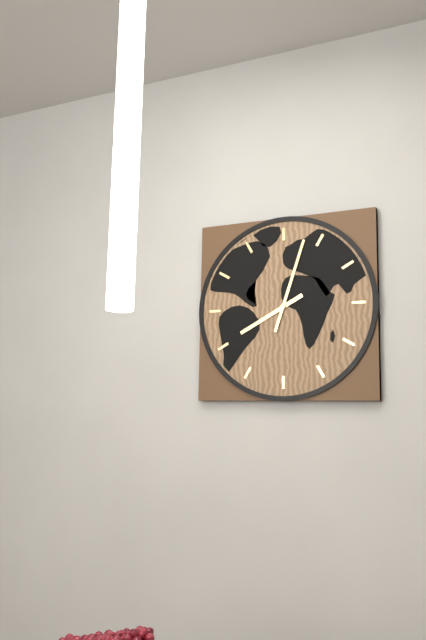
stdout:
8:03
